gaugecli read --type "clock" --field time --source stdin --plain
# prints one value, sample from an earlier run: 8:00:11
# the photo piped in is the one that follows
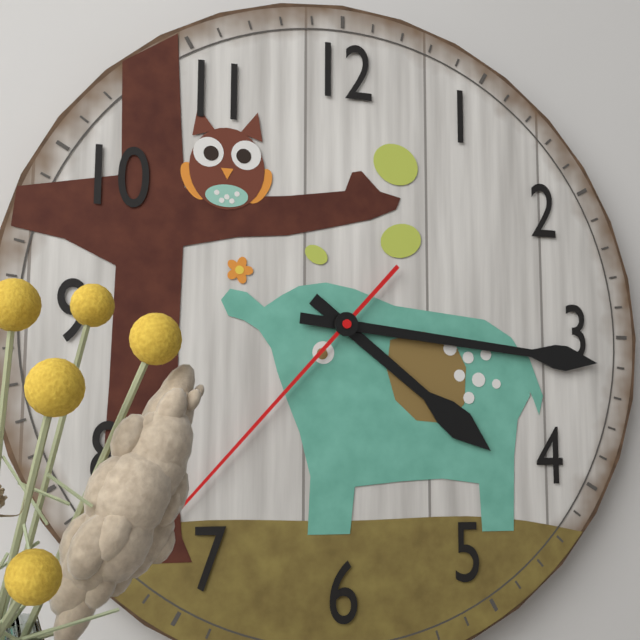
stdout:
4:16:37
